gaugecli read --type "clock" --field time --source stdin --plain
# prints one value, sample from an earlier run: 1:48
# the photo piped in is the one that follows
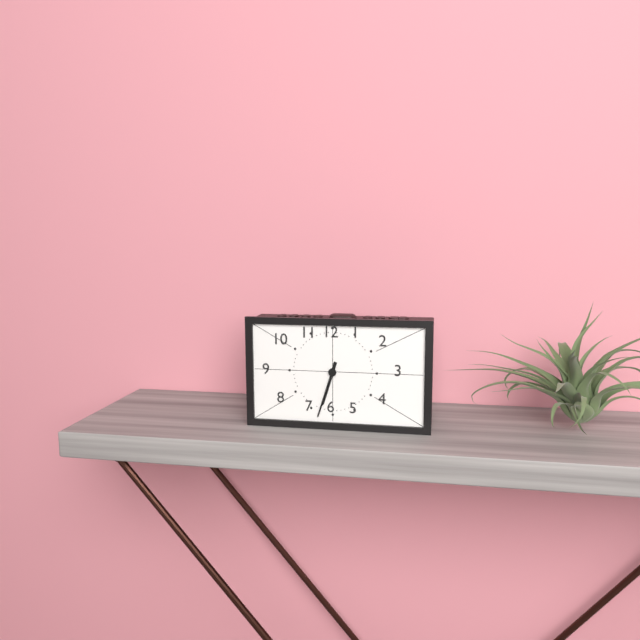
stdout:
6:33
